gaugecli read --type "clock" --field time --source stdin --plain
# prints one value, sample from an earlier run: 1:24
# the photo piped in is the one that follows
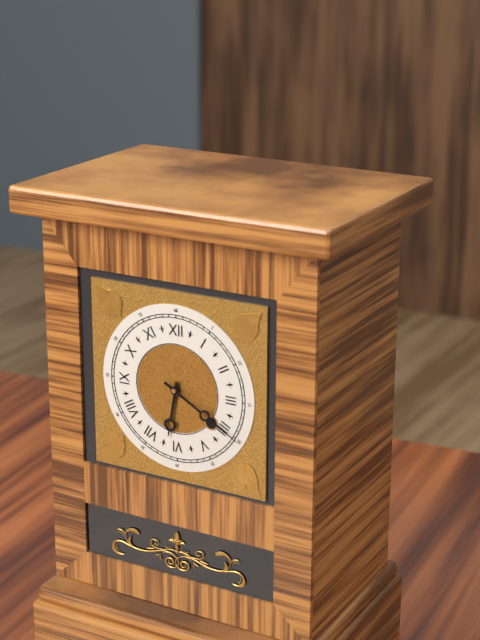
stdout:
6:20
